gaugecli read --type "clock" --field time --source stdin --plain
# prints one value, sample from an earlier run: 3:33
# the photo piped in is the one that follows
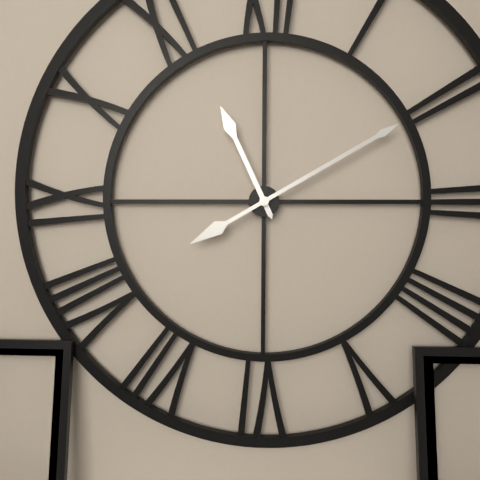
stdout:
11:10
